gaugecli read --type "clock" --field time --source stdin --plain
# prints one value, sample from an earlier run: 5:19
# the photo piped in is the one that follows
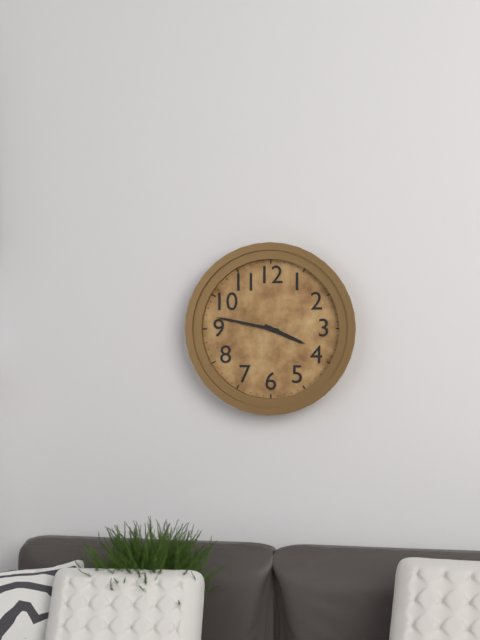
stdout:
3:47
